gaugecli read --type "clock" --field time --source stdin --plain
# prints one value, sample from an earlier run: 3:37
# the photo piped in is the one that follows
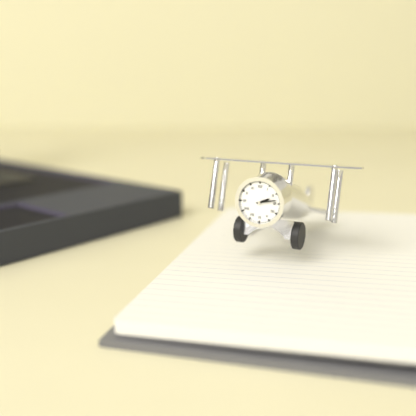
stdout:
2:13
